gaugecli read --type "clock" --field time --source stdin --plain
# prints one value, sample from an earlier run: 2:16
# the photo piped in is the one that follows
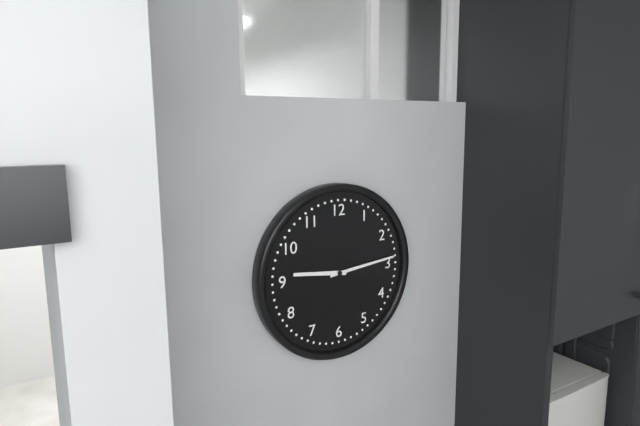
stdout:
9:14
